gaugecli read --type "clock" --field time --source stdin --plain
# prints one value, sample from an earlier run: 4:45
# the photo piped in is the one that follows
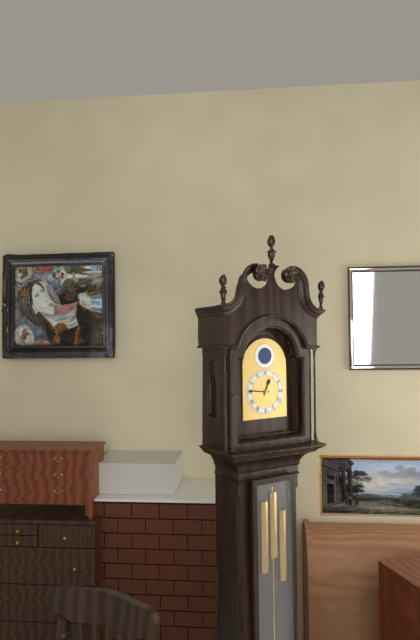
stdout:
12:46
